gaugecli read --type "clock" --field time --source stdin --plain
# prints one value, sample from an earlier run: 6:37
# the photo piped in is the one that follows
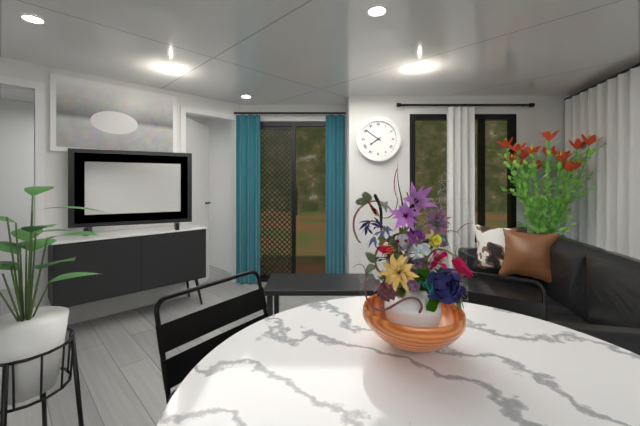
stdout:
7:51
